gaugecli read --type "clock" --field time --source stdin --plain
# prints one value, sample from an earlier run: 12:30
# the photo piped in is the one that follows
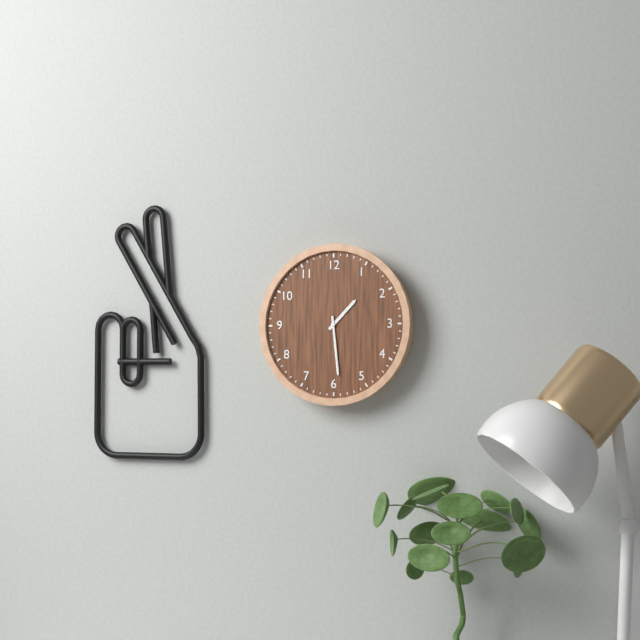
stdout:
1:29
